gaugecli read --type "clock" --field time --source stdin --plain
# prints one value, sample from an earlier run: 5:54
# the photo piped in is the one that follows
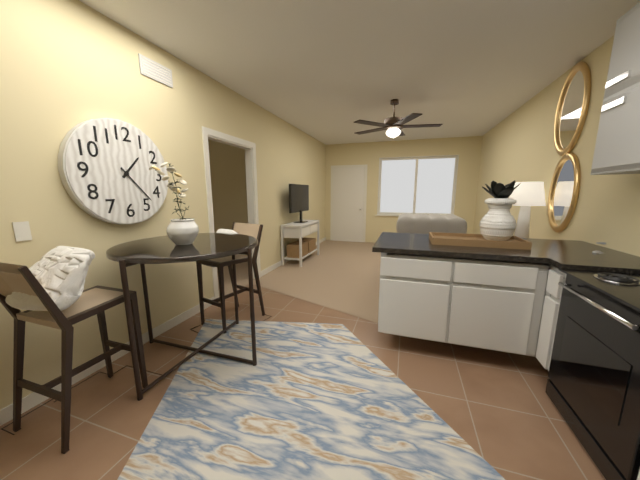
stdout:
1:23
